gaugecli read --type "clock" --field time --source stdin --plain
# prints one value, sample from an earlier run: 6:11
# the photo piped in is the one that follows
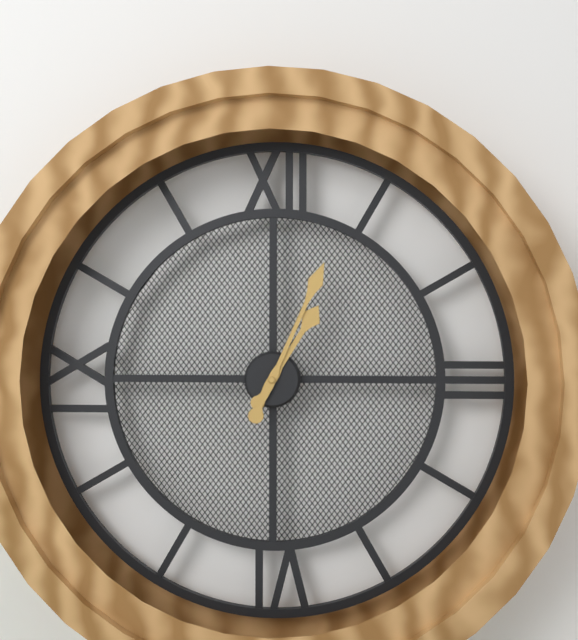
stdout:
1:04
